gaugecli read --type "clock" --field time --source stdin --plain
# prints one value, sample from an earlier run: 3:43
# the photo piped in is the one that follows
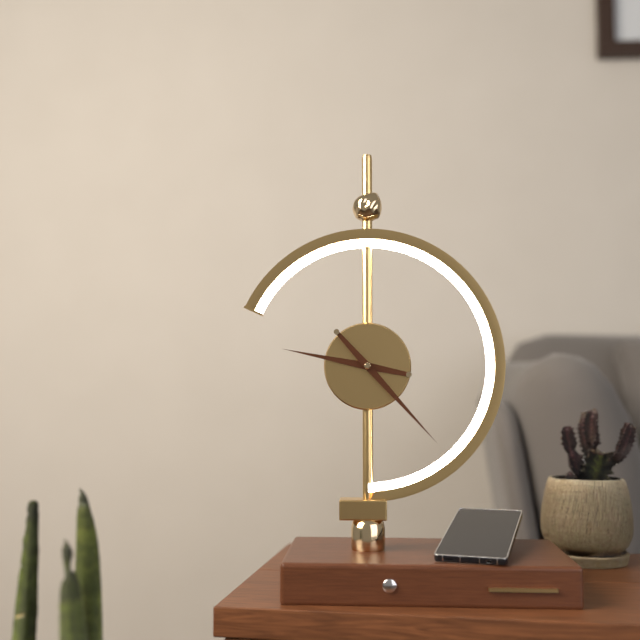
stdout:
9:23
